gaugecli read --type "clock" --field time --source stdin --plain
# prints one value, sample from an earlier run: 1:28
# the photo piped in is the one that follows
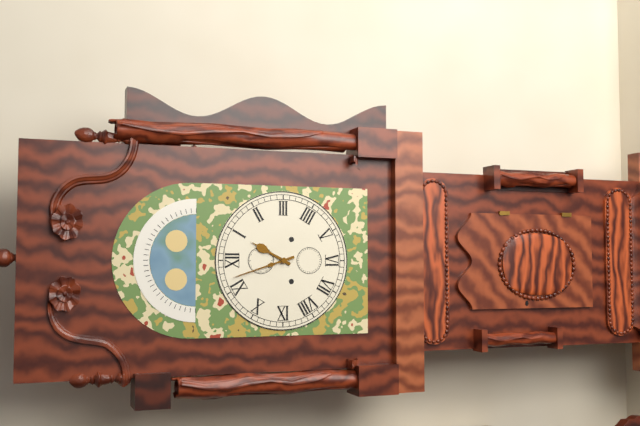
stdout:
12:57
